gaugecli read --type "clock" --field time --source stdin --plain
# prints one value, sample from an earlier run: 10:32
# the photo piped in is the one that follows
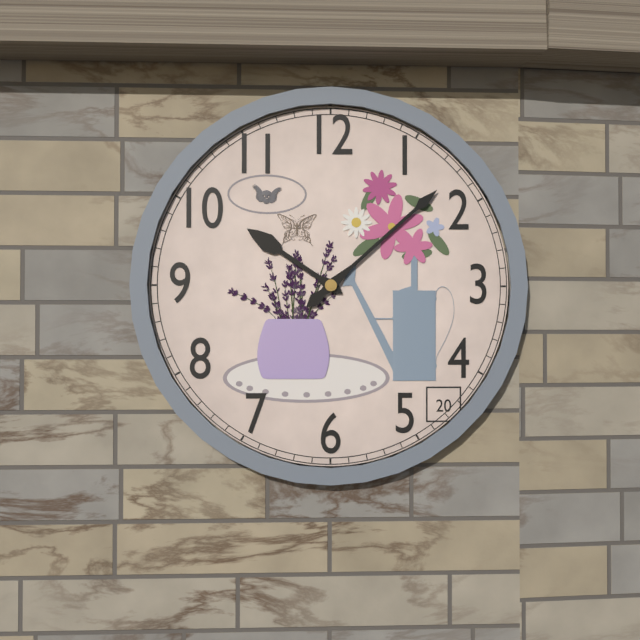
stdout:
10:08
